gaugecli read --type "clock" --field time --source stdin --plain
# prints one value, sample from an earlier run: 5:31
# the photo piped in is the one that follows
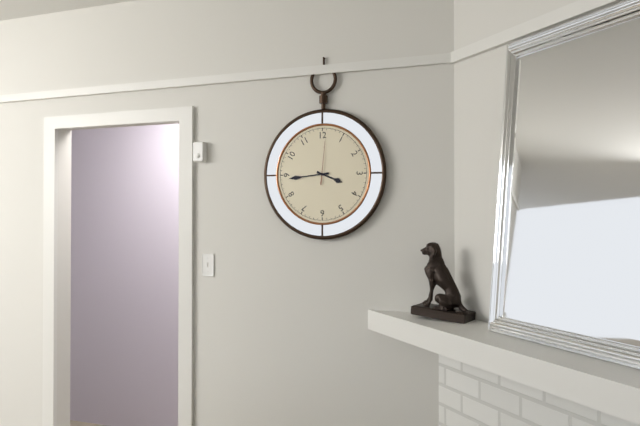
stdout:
3:44
